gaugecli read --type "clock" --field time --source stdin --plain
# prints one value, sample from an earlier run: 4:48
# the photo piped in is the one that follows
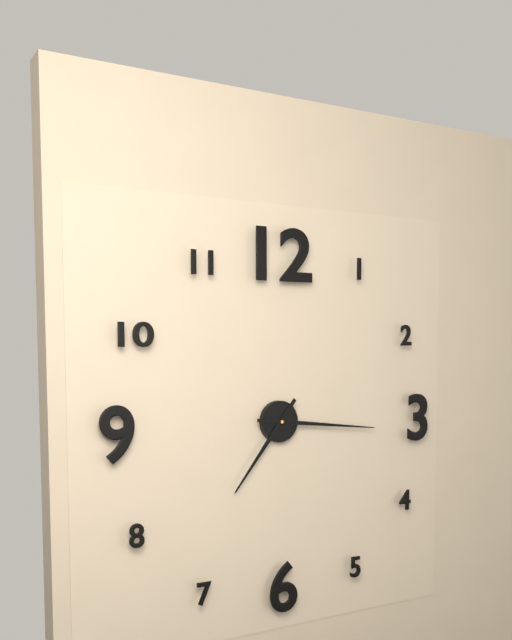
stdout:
7:16
